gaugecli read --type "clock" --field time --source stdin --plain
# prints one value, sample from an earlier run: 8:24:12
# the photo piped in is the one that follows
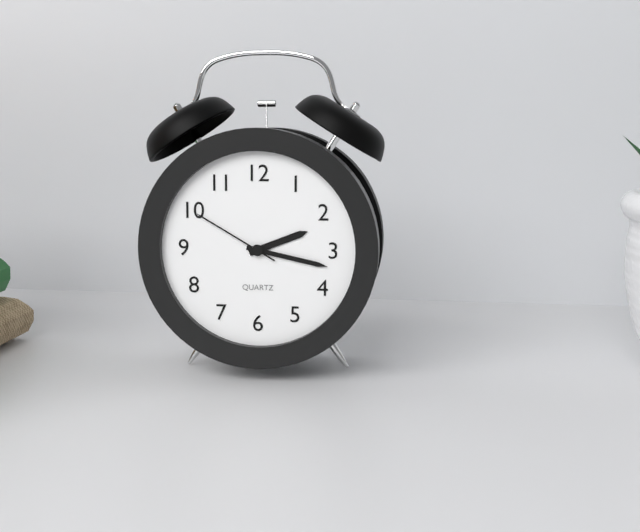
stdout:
2:17:50
